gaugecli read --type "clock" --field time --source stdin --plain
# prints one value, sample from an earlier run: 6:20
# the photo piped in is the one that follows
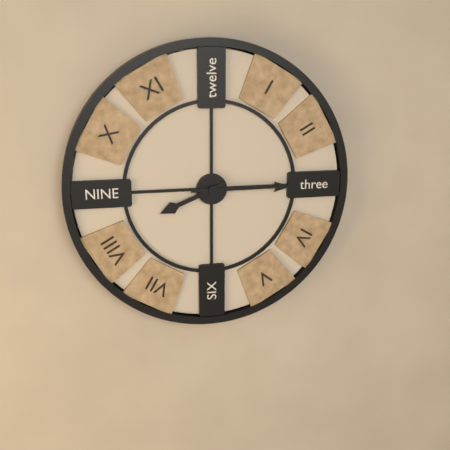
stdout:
8:15
